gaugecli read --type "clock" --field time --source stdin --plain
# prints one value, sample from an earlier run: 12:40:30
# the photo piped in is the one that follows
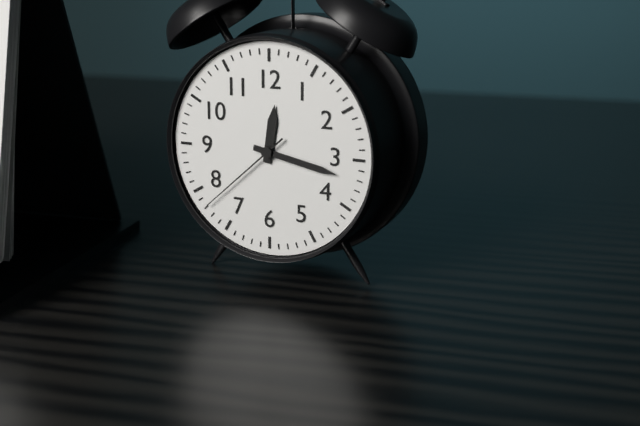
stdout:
12:17:38
